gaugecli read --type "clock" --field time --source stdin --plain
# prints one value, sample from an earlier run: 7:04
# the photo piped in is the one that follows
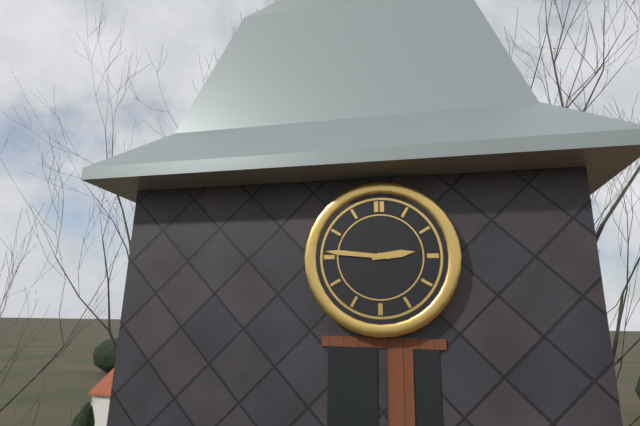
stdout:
2:46
